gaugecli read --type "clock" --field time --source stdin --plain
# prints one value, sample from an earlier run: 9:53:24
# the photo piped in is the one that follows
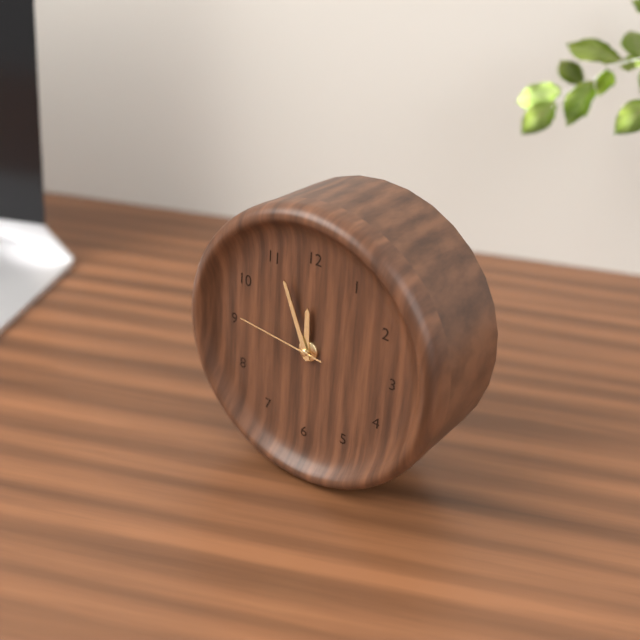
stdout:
11:56:46
